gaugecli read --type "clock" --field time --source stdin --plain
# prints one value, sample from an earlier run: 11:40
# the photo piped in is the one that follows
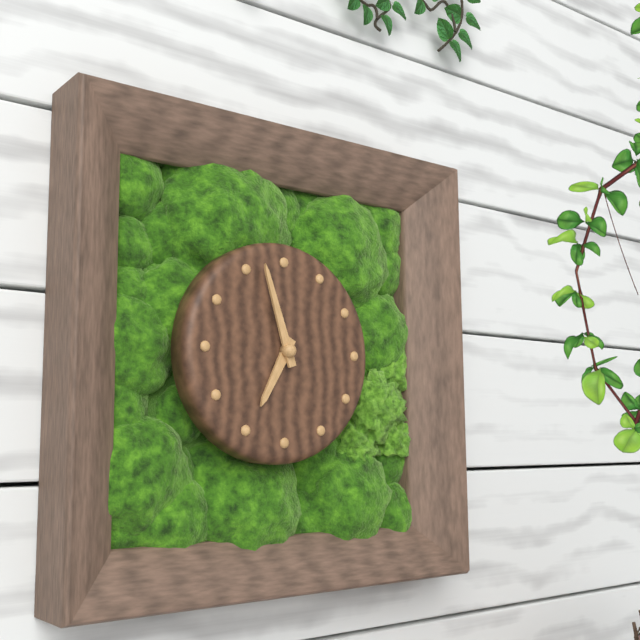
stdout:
6:57
